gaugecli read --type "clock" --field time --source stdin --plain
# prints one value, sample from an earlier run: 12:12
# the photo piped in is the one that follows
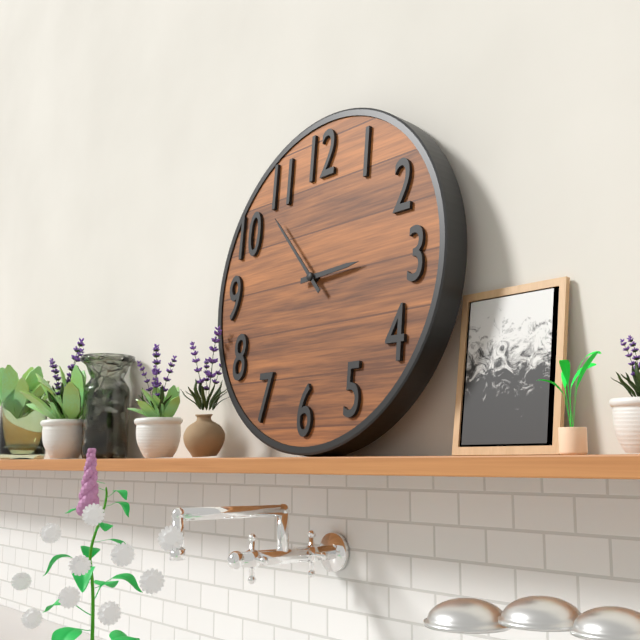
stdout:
2:53
